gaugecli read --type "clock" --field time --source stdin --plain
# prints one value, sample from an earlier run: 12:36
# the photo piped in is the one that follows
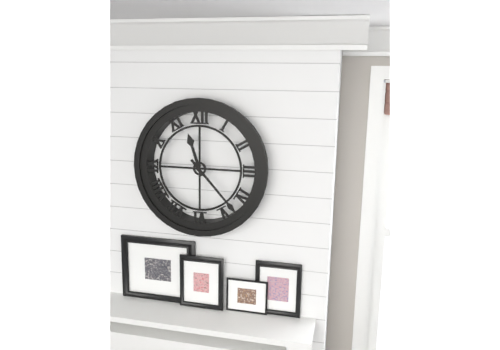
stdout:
11:23
